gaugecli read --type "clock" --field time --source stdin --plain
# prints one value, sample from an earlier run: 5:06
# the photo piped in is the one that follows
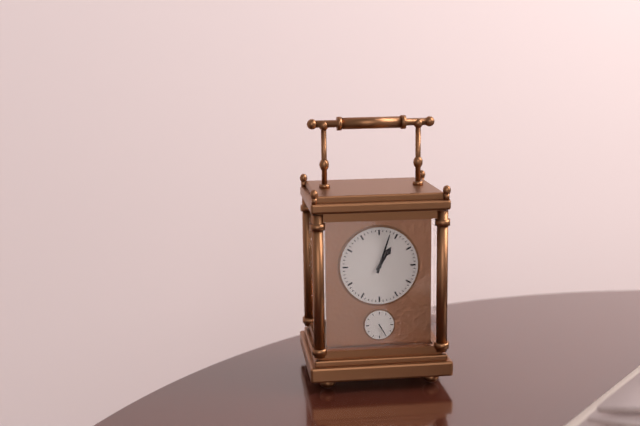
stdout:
1:03
